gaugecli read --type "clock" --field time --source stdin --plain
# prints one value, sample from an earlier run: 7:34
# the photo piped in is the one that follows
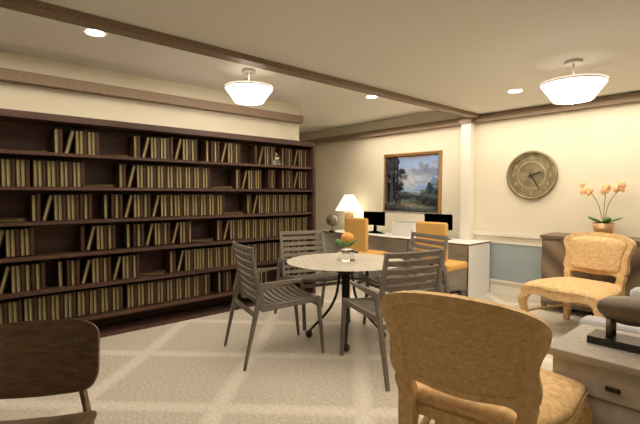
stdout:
2:25
